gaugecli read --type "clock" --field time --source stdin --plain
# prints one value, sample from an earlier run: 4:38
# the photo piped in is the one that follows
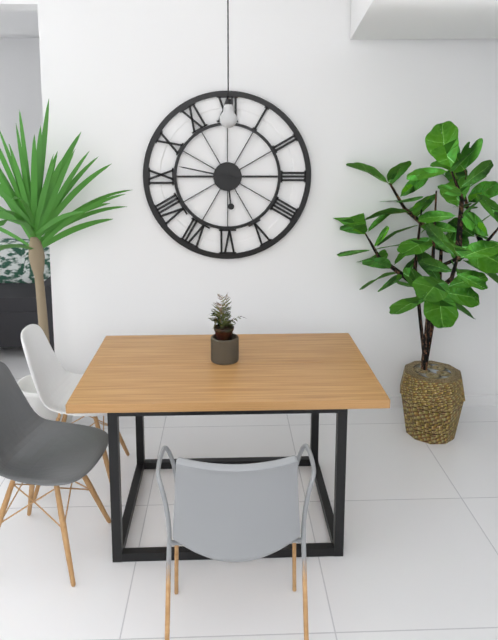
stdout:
5:47
